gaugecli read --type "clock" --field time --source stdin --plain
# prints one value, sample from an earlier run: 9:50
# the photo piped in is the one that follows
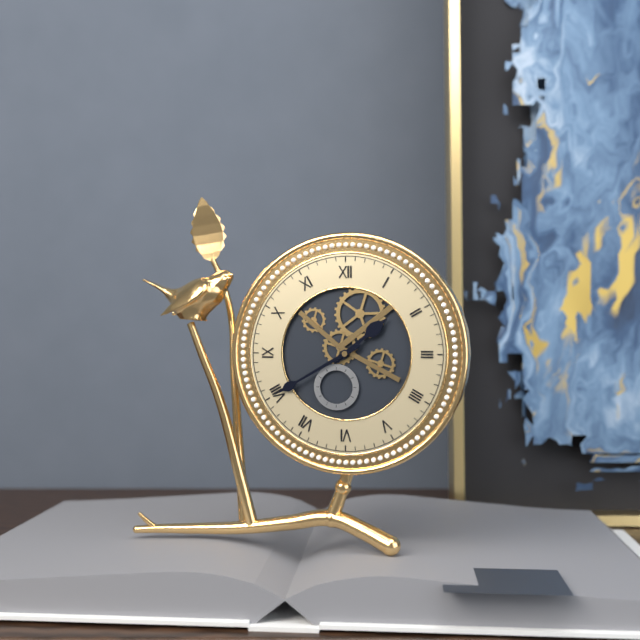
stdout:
1:40
